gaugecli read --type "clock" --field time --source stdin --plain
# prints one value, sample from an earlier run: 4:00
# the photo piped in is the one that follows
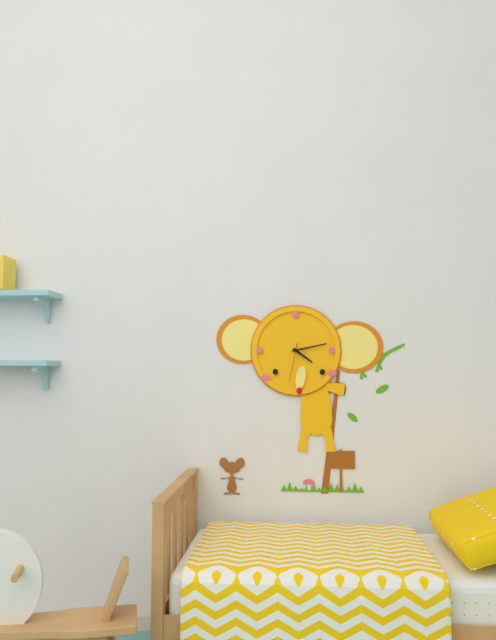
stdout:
4:13
